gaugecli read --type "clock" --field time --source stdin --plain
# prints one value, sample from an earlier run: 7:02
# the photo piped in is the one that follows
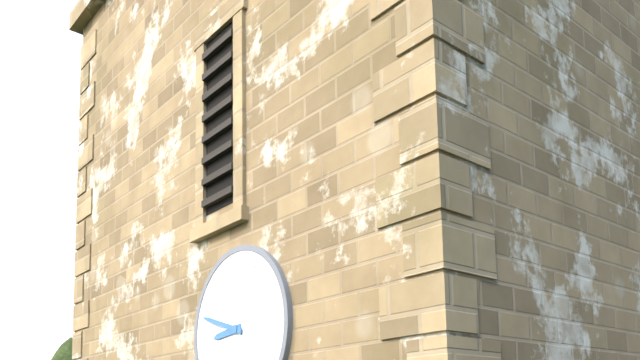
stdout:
8:48
